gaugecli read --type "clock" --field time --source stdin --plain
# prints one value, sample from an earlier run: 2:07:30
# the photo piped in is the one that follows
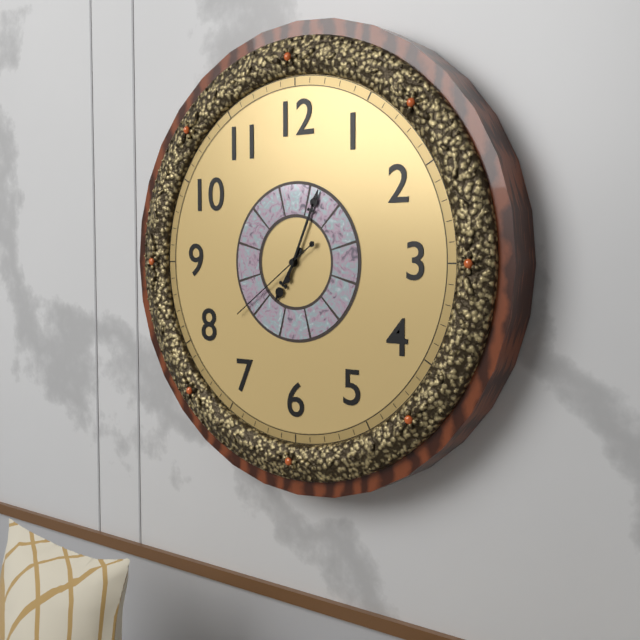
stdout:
7:04:39
